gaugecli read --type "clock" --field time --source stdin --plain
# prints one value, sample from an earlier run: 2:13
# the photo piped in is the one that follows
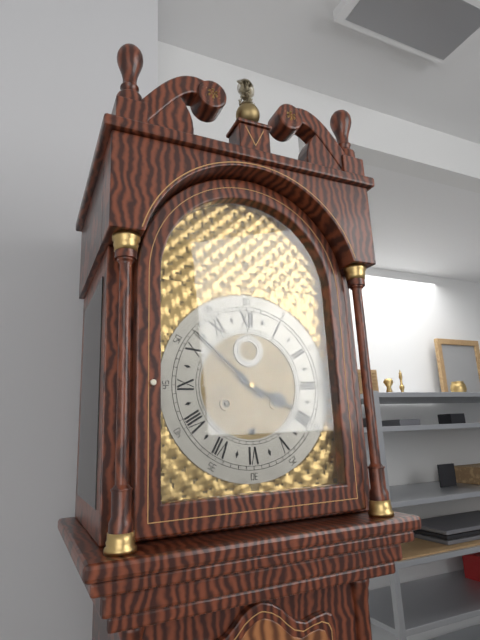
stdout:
3:52
